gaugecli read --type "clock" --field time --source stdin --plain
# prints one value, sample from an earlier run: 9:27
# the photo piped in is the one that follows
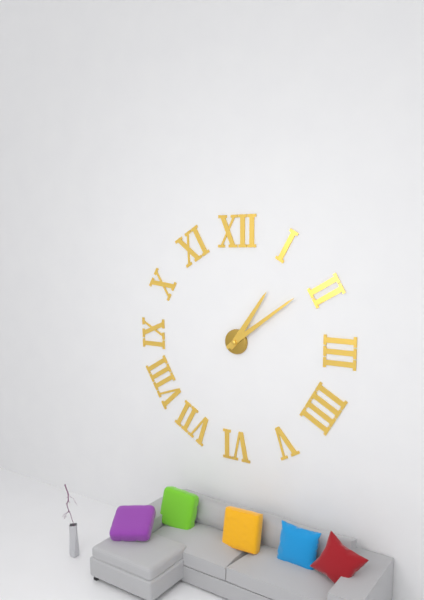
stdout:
1:09
